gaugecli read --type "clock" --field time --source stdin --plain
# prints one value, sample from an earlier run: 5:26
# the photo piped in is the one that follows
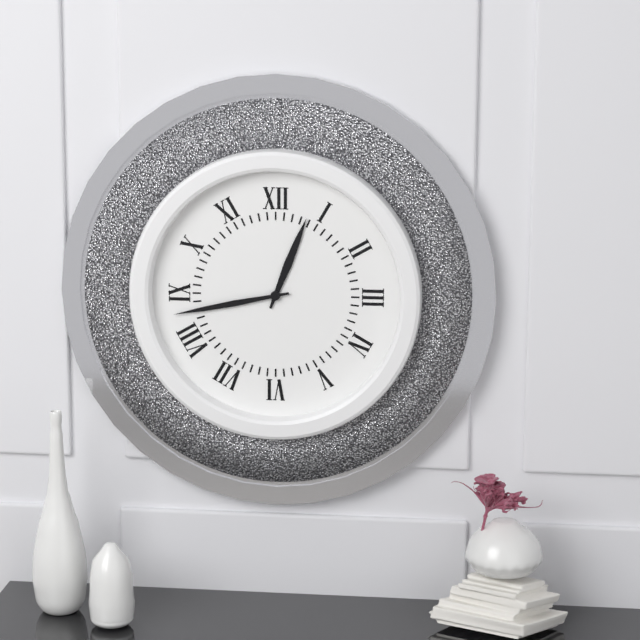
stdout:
12:43
